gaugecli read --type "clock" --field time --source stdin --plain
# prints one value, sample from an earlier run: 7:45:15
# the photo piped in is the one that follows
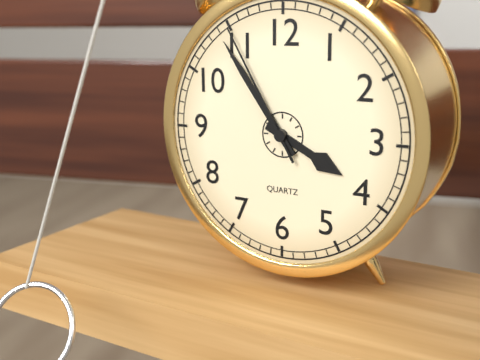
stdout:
3:54:55
